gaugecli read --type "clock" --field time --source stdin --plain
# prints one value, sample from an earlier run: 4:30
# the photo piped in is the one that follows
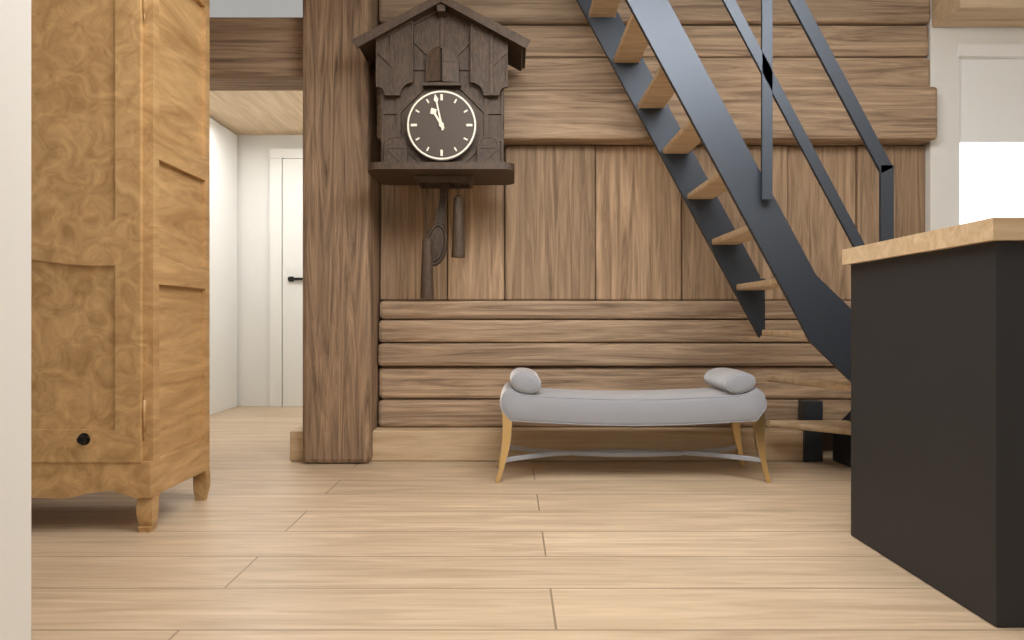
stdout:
10:58
